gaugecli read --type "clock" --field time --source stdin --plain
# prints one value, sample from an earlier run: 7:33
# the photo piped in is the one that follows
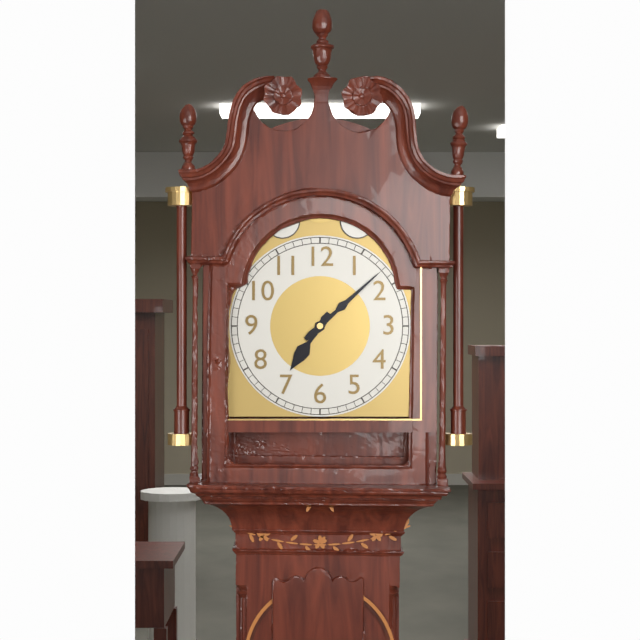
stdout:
7:08
